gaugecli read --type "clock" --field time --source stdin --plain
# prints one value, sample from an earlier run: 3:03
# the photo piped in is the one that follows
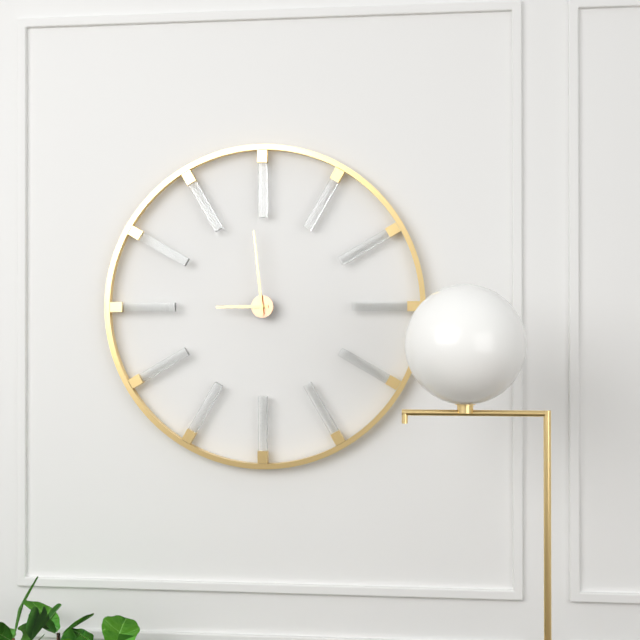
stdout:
8:59
